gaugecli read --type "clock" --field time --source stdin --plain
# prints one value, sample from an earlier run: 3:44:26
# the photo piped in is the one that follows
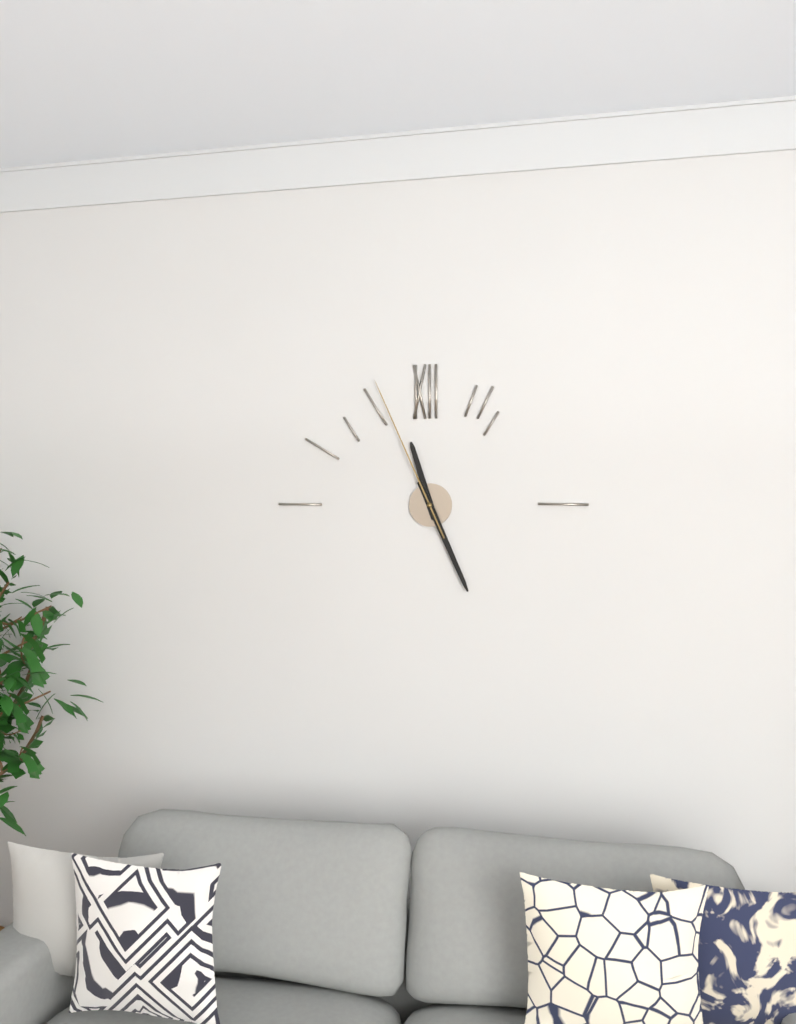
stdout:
11:26:56
